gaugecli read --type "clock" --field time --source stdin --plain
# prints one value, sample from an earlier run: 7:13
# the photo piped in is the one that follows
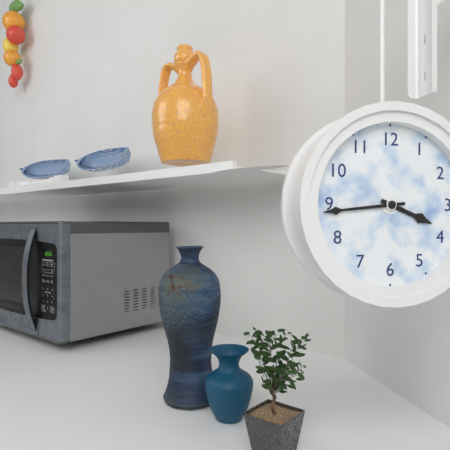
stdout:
3:44
